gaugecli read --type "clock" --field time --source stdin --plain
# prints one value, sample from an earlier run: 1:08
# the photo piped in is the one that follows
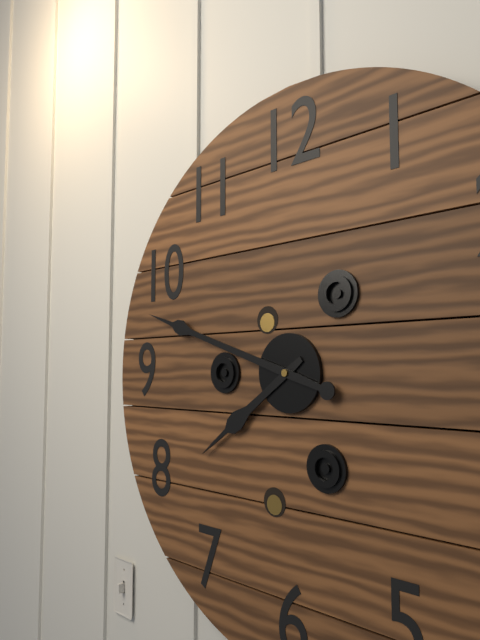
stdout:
7:48
